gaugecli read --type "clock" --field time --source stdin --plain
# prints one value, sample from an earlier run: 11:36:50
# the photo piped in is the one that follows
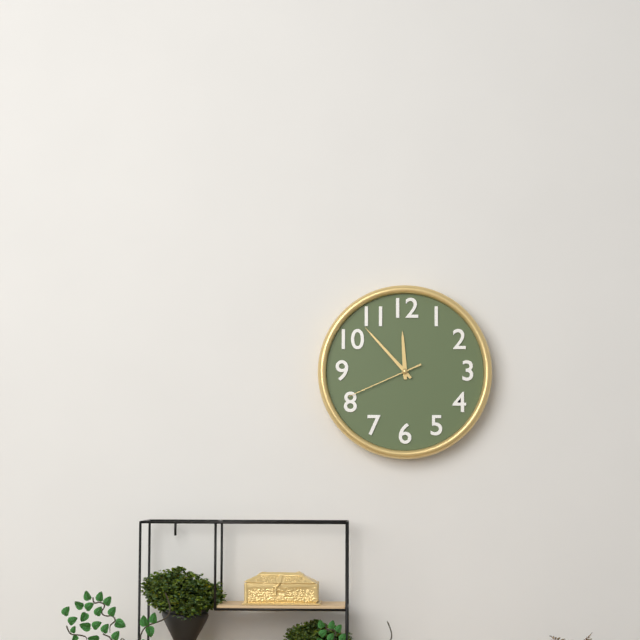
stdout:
11:53:41
